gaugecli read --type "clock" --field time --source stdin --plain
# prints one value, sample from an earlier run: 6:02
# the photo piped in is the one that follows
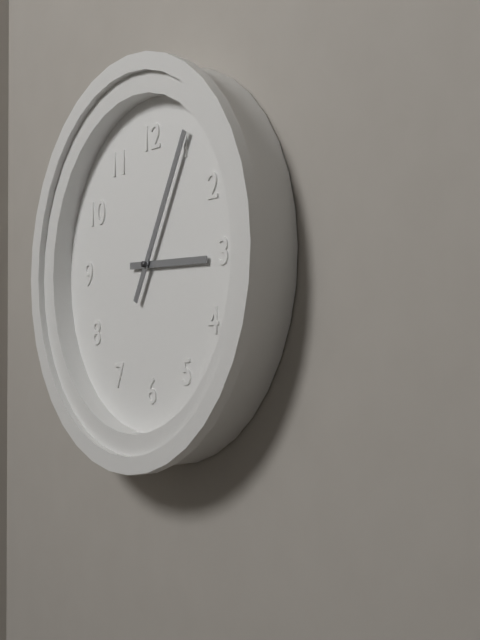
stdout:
3:05
